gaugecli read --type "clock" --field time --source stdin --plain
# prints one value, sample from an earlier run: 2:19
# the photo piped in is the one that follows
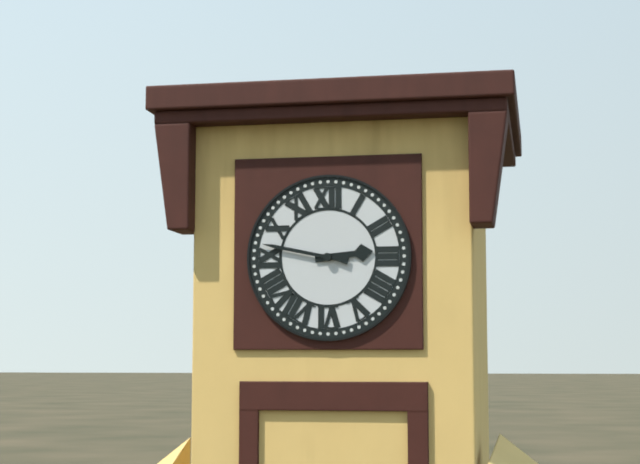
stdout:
2:47
